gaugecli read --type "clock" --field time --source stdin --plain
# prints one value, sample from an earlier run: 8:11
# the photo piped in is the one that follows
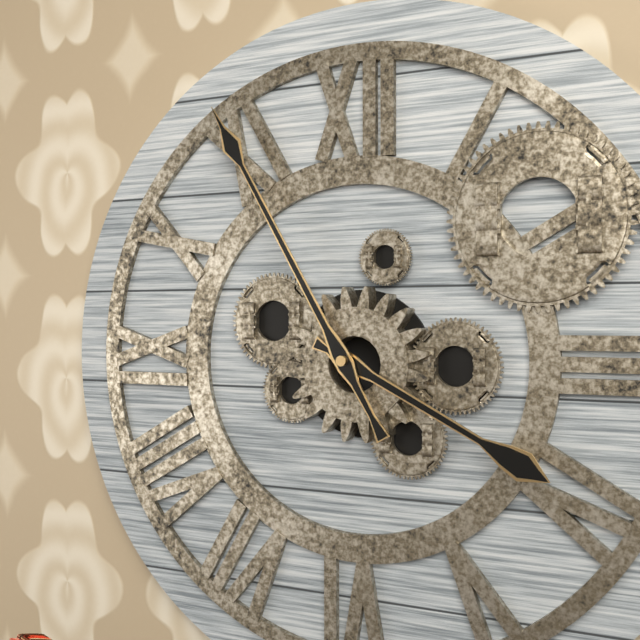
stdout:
3:55
